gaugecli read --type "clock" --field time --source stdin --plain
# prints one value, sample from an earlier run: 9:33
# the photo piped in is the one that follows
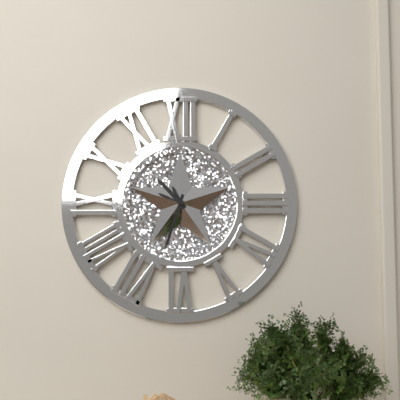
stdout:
10:33
